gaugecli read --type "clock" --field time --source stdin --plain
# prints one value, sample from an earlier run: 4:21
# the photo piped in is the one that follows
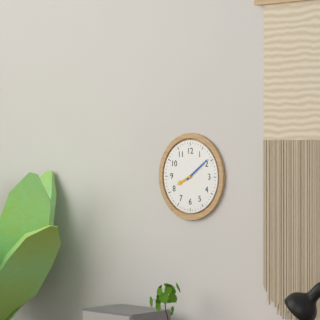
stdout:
8:09
